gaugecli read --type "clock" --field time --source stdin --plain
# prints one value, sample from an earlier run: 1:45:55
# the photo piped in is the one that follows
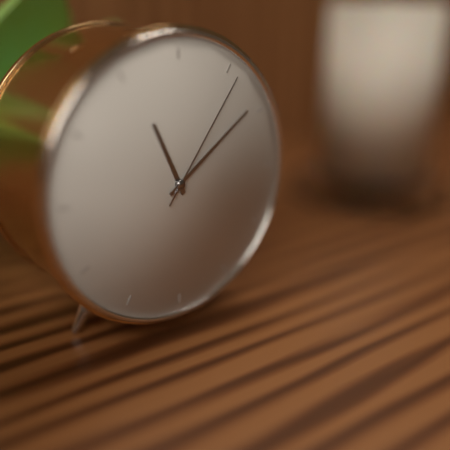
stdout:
11:09:06
